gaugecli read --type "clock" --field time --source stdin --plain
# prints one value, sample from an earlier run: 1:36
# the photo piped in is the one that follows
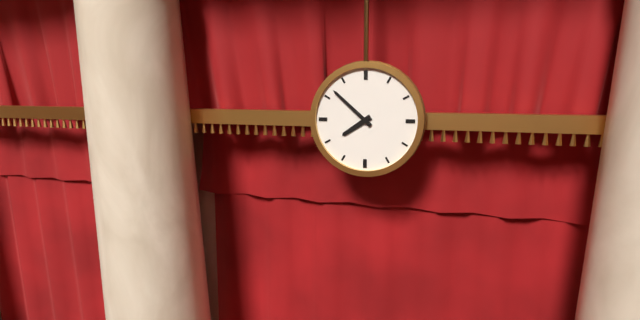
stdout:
7:52
